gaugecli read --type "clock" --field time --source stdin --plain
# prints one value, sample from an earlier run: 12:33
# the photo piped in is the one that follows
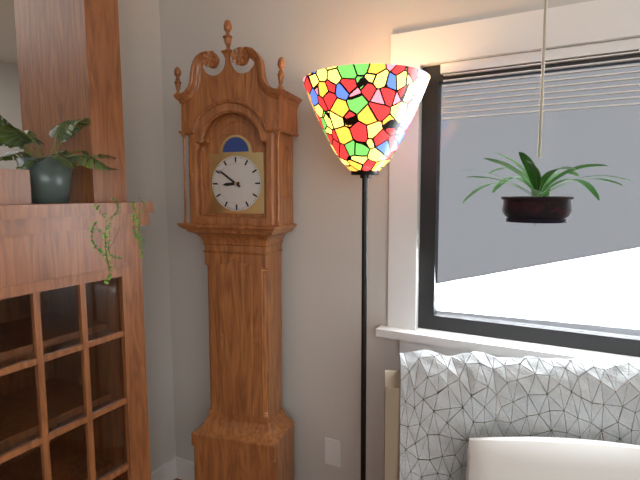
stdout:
8:51
